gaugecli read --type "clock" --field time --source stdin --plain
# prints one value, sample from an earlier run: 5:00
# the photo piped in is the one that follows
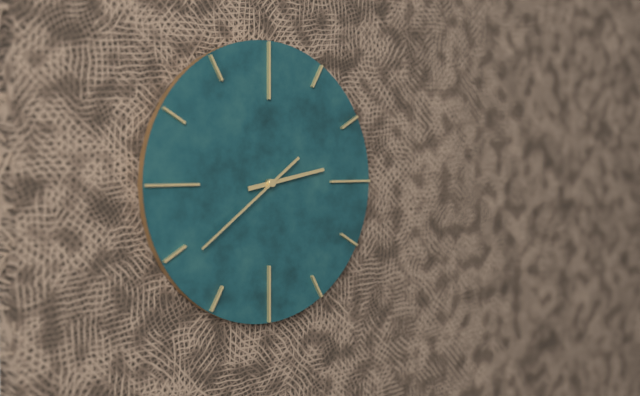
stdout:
2:39
